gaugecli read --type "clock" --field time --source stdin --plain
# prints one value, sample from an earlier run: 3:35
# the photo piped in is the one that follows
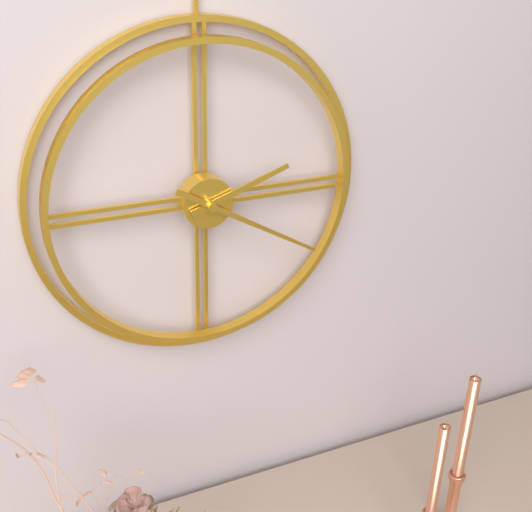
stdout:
2:20
